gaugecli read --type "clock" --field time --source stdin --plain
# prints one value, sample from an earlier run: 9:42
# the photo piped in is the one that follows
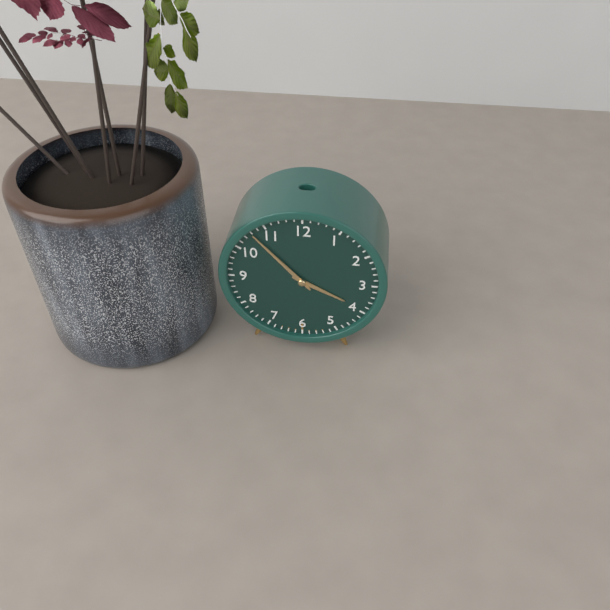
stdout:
3:53
